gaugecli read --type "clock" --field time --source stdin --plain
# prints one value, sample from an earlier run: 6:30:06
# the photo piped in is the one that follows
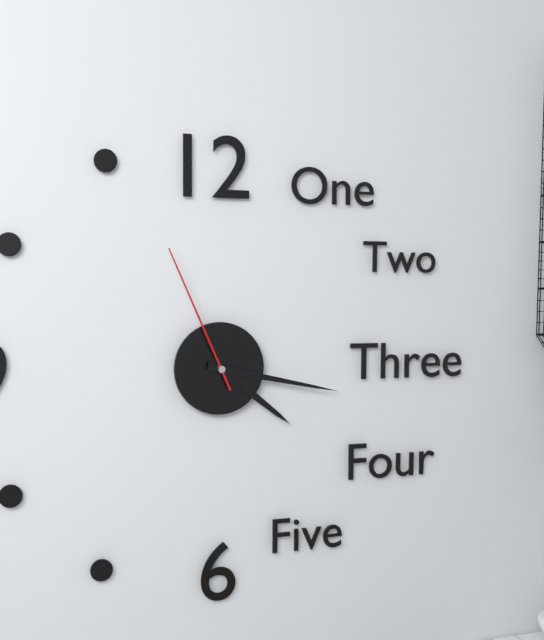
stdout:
4:17:56
